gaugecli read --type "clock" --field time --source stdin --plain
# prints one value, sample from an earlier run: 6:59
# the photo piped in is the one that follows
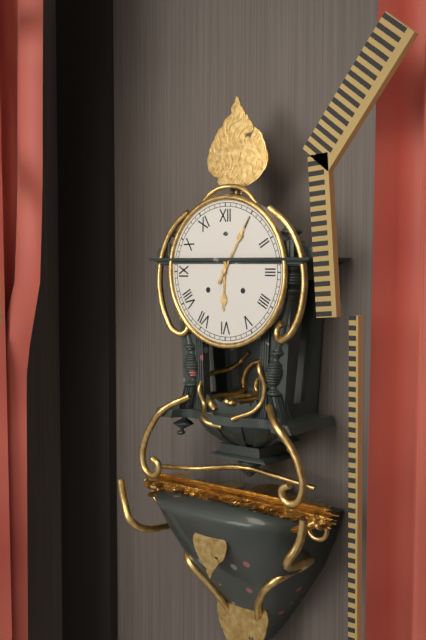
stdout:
6:05
